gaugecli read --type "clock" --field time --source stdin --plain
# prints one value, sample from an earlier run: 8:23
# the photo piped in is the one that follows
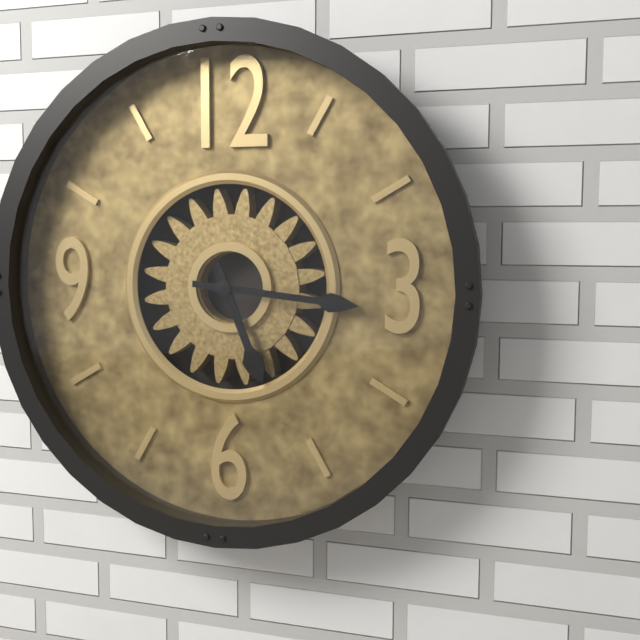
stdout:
5:16
